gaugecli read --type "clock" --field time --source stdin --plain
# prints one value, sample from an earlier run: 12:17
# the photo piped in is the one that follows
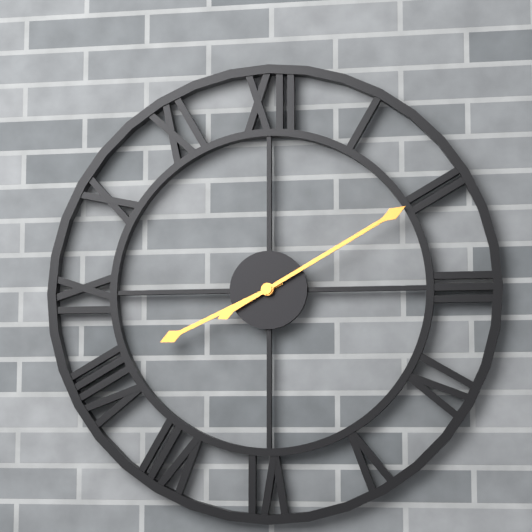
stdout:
8:10
